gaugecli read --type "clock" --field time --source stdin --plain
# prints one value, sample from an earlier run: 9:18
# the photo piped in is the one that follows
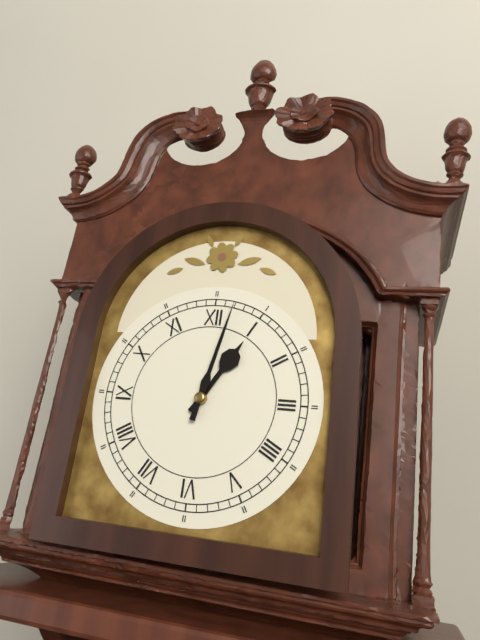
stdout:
1:02
